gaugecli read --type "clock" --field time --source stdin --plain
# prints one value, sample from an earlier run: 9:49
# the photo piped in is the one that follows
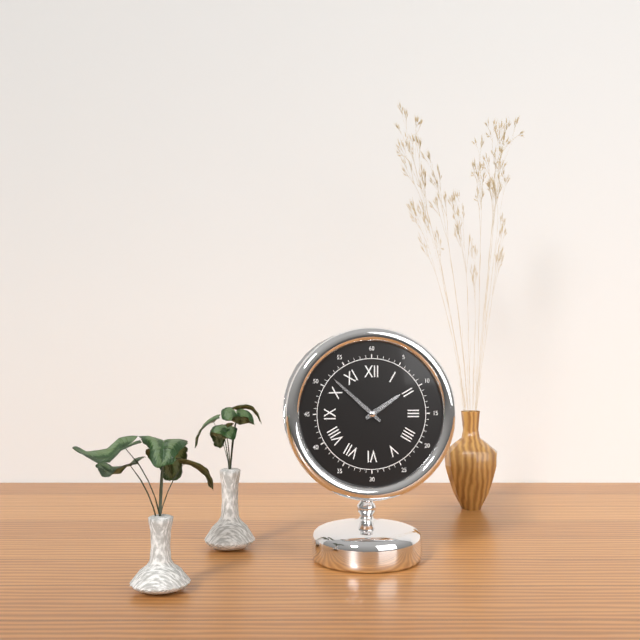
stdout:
1:52
